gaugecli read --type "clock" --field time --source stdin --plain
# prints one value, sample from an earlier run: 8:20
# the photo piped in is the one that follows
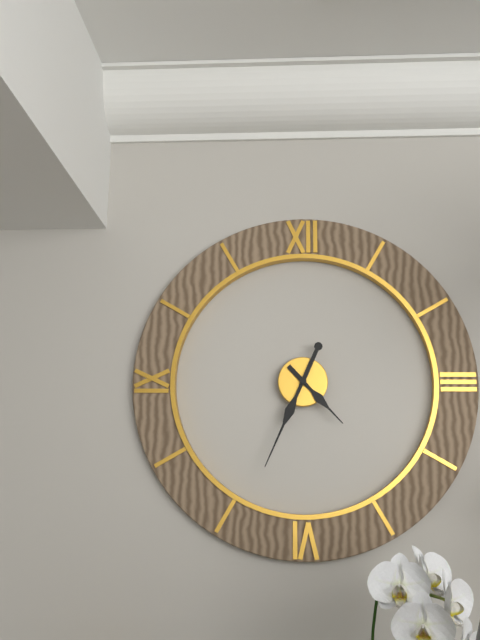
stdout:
4:34
